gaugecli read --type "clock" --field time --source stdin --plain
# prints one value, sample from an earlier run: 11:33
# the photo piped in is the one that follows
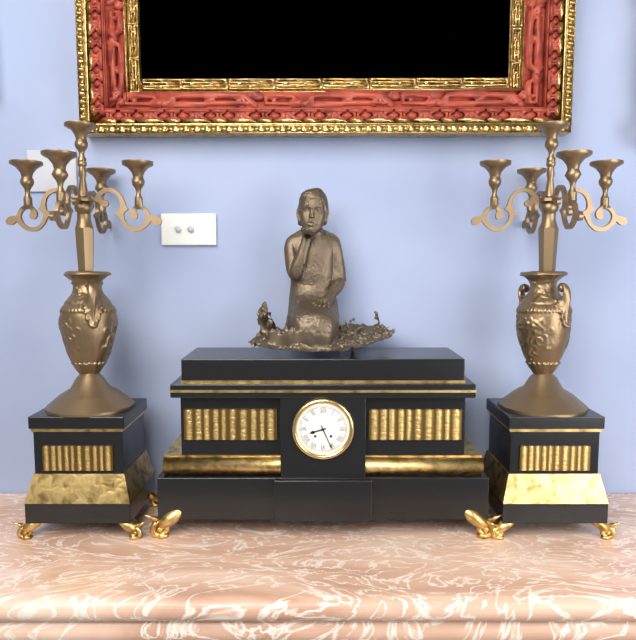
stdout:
8:26
